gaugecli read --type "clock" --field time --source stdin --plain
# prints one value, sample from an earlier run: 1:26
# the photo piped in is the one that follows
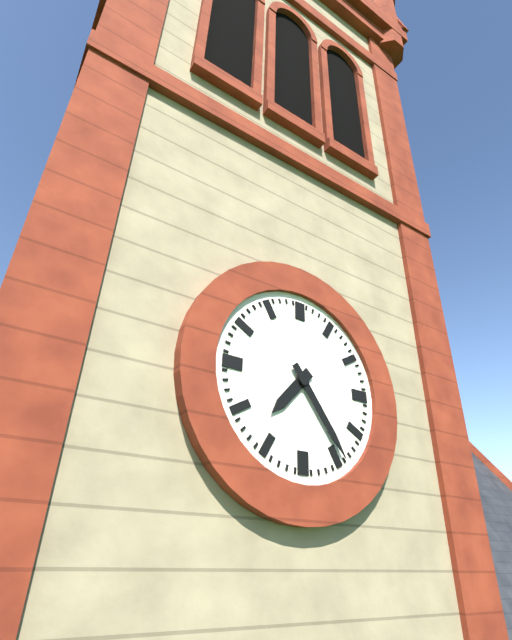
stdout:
7:24
